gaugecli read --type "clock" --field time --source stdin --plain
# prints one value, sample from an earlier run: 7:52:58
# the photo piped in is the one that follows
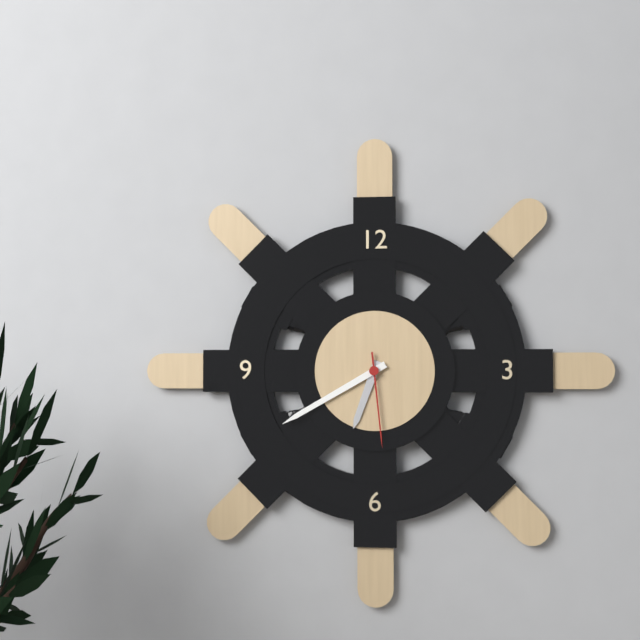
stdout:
6:40:29
